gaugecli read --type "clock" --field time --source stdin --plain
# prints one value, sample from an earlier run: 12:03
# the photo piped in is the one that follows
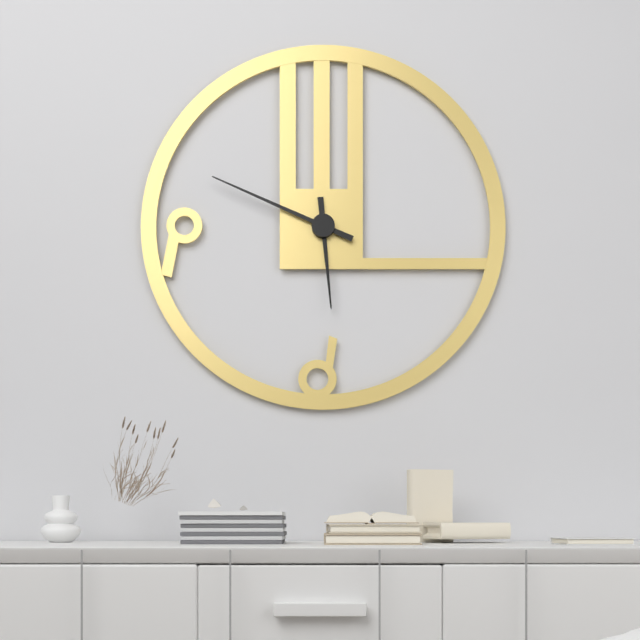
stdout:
5:49
